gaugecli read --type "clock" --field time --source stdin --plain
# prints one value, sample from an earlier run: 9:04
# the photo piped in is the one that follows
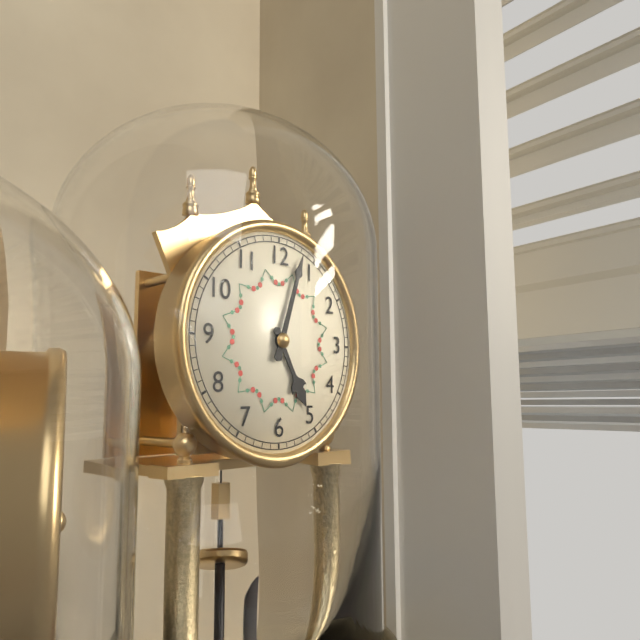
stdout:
5:03
